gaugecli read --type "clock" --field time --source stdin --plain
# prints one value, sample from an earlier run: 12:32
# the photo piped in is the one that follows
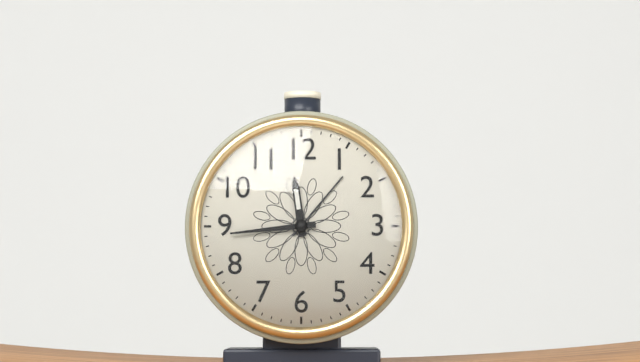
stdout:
11:44
